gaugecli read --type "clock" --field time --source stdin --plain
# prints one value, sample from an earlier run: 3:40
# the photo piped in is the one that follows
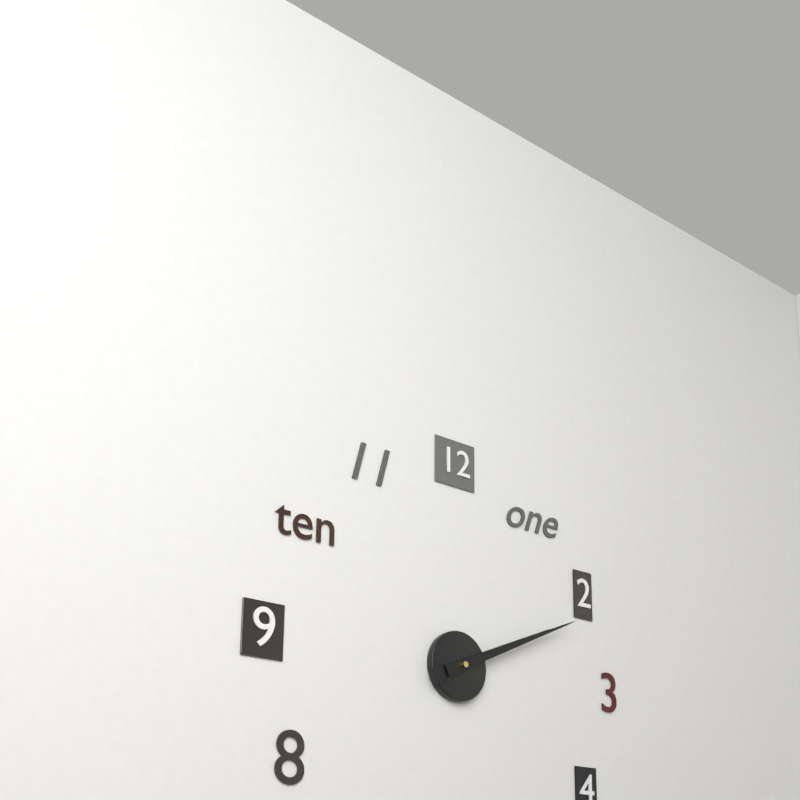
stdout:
2:11
